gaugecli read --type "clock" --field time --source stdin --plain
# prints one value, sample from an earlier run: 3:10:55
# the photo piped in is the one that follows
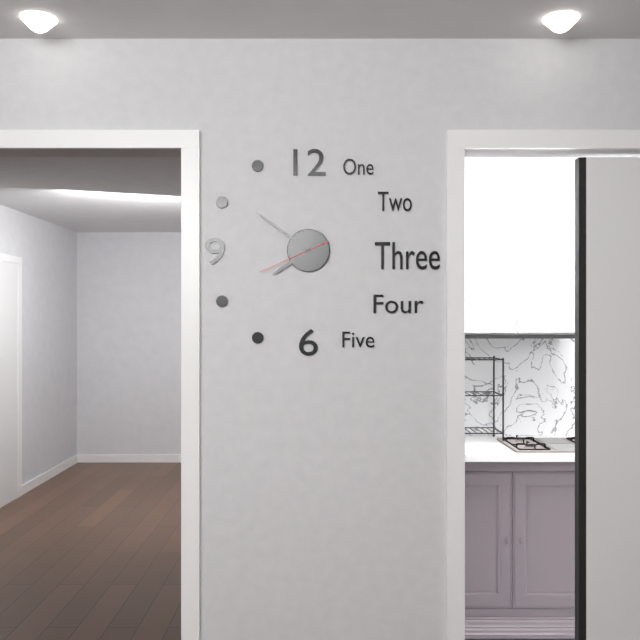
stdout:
7:51:41
